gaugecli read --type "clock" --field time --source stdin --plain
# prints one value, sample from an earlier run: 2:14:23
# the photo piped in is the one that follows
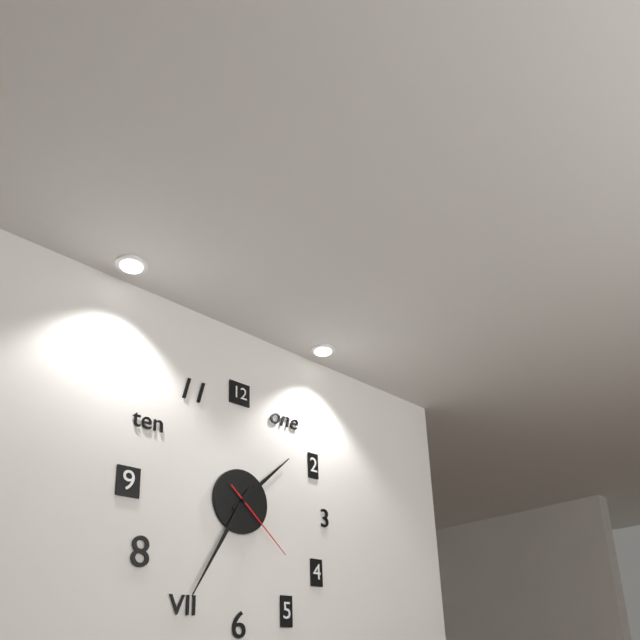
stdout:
1:35:22
